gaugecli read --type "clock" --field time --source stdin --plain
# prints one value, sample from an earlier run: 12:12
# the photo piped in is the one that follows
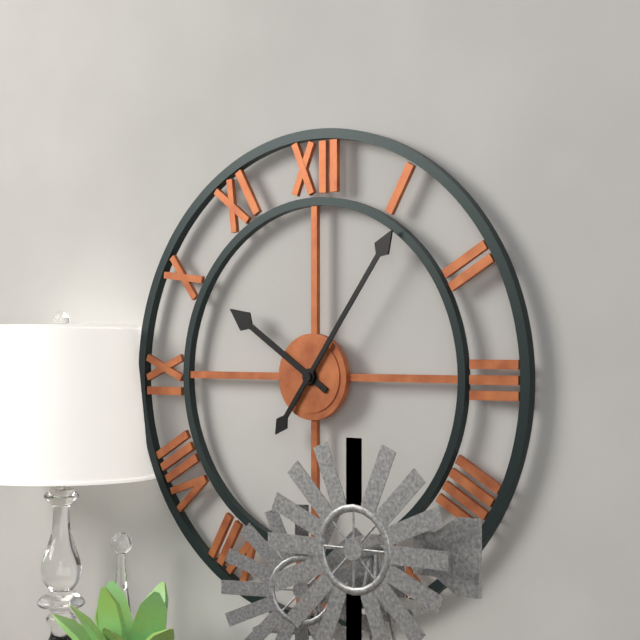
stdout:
10:06
